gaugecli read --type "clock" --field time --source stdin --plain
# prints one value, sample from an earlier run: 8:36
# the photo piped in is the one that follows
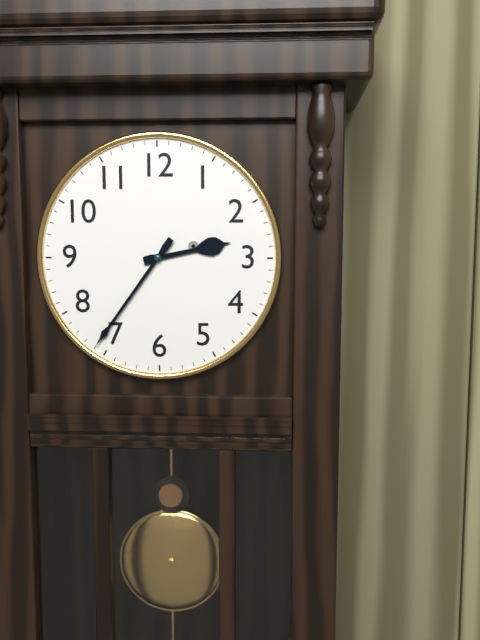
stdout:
2:36
